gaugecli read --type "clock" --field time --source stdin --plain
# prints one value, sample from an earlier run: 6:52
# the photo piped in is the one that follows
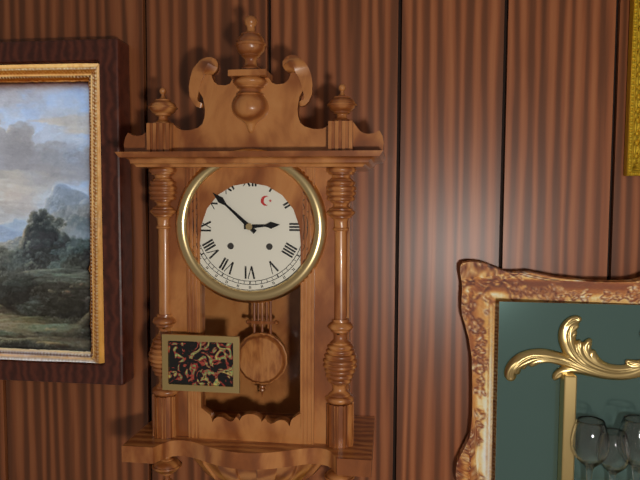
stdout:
2:52
